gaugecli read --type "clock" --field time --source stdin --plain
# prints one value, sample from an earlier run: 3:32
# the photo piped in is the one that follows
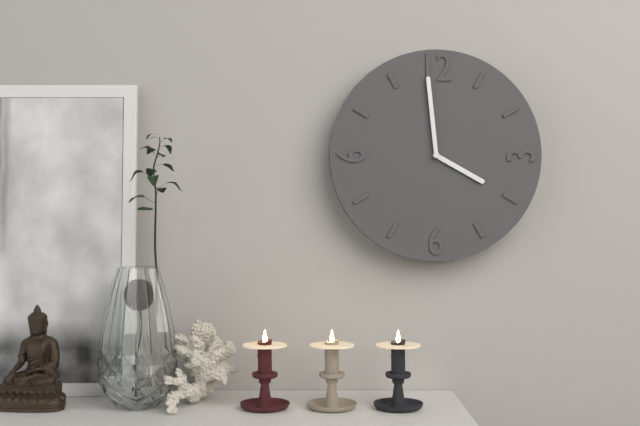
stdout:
3:59
